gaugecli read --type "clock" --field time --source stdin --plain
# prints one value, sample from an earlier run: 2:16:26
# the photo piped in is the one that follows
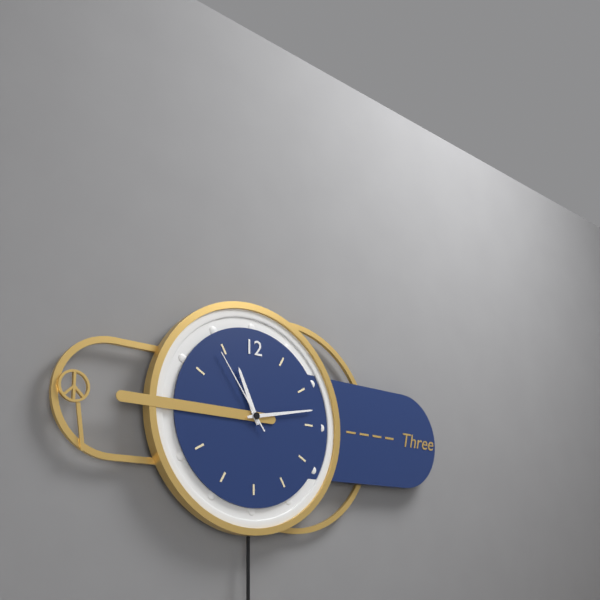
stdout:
11:13:54
